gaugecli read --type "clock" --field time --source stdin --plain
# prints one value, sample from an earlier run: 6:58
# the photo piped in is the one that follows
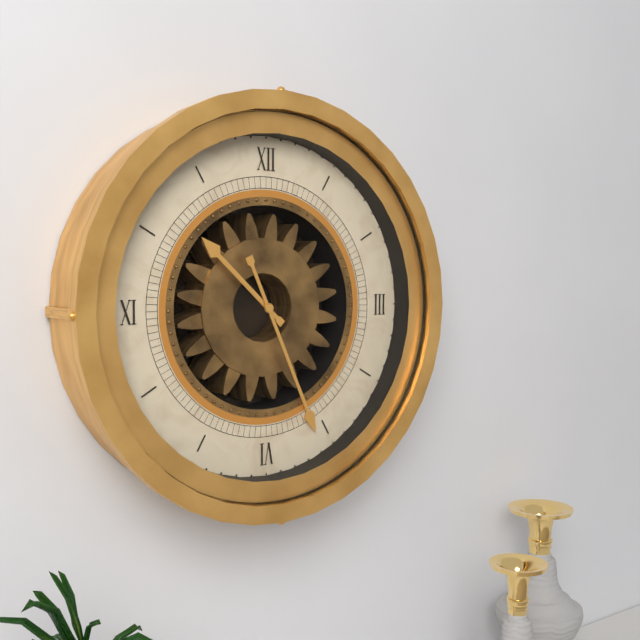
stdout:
10:26
